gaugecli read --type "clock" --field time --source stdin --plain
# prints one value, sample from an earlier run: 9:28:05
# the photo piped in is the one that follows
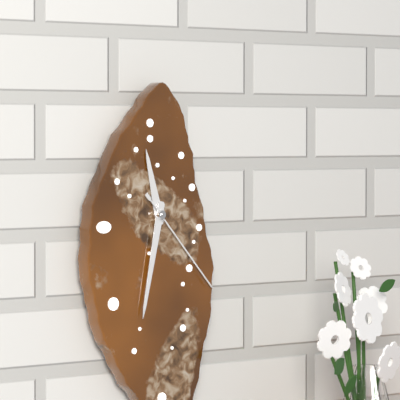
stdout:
11:32:23
